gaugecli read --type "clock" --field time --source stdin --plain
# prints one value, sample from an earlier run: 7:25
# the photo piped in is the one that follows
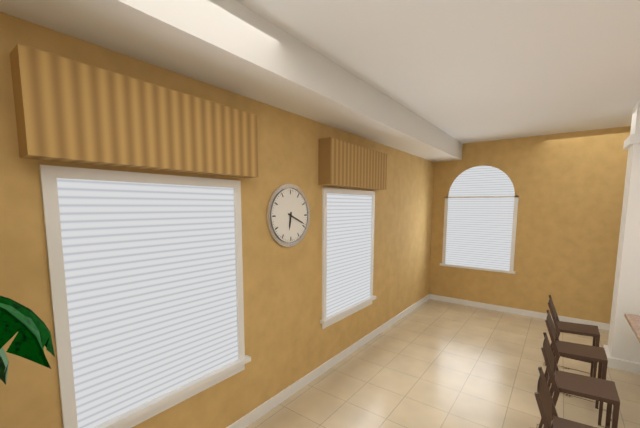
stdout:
6:19
